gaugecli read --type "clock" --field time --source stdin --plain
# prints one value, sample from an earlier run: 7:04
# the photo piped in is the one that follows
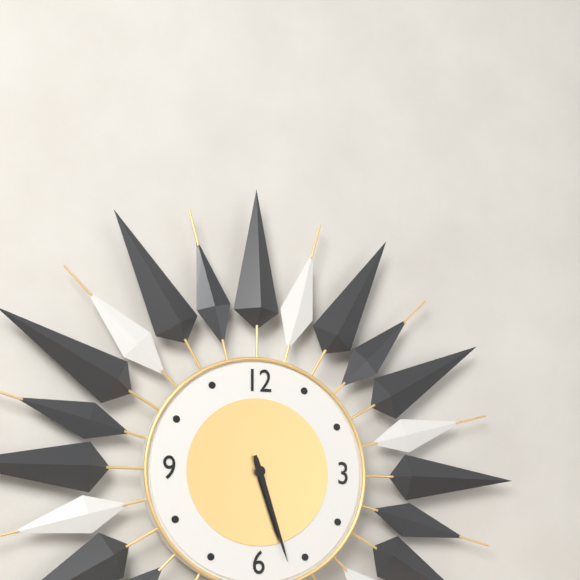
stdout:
5:27
